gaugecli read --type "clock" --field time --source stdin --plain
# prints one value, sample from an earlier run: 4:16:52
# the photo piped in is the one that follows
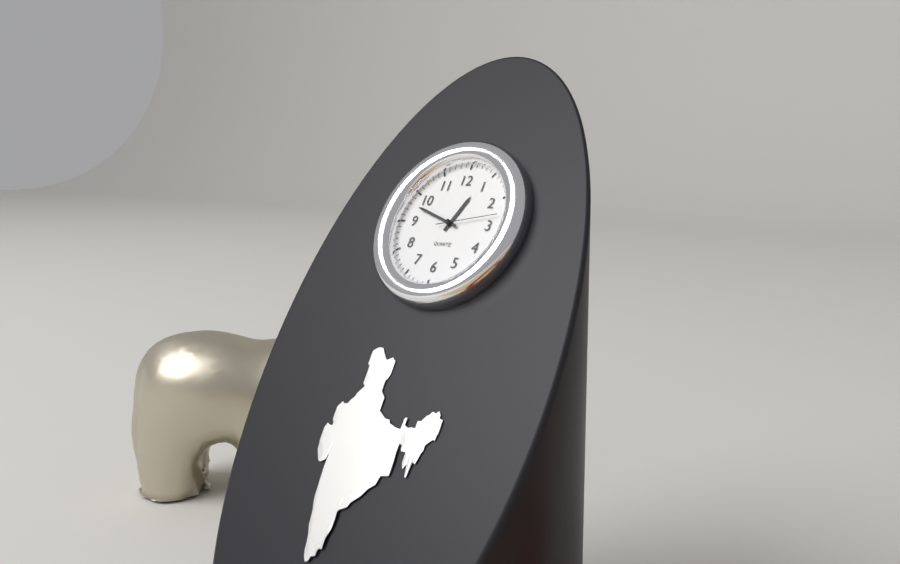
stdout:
12:48:13
